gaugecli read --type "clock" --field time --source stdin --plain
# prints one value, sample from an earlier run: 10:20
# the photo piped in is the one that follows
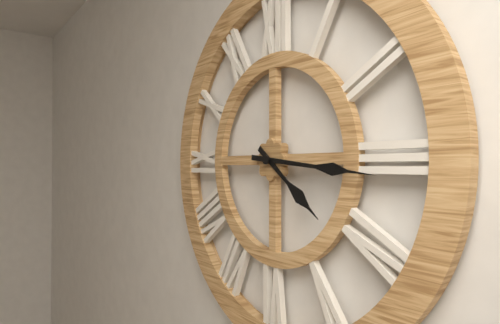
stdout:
4:16
